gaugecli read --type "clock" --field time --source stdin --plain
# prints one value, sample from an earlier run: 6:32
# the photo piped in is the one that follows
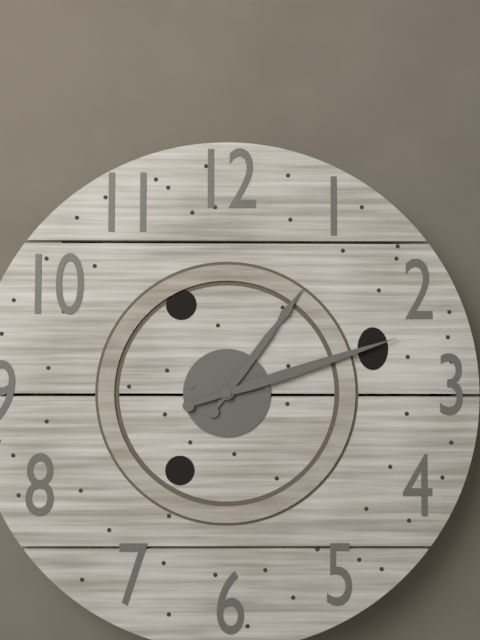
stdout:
1:12
